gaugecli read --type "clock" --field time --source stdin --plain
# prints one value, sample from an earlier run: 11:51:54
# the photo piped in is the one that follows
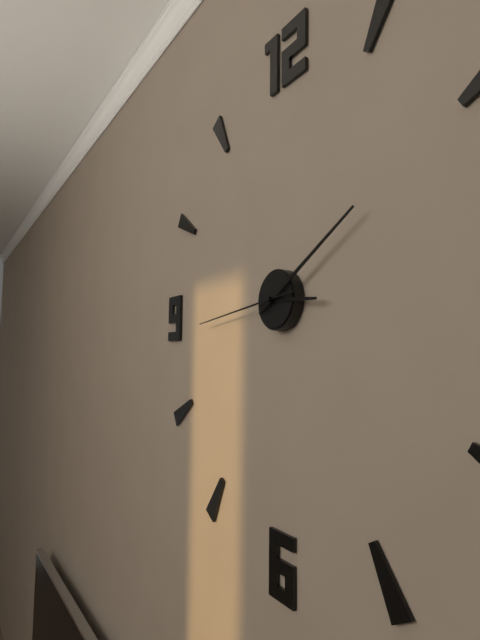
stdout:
3:10:44
